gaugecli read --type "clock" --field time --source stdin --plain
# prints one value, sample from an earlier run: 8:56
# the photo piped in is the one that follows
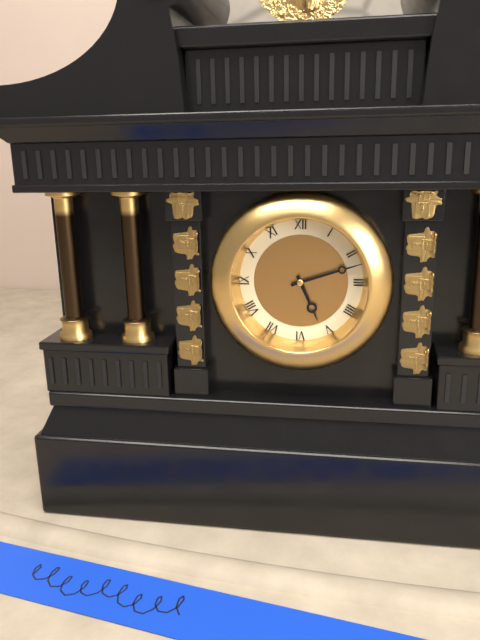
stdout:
5:12
